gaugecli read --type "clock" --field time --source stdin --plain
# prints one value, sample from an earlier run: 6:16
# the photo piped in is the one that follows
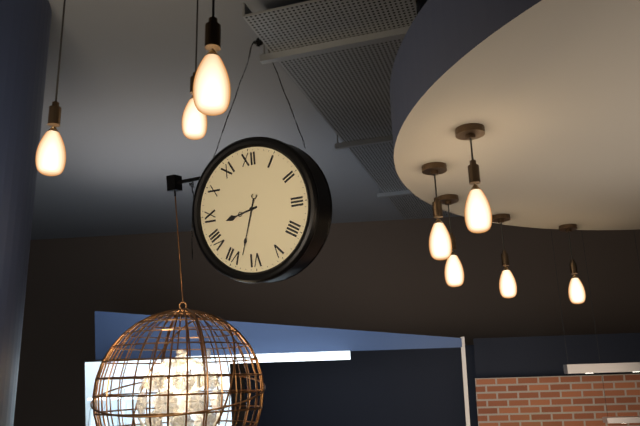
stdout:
8:33
